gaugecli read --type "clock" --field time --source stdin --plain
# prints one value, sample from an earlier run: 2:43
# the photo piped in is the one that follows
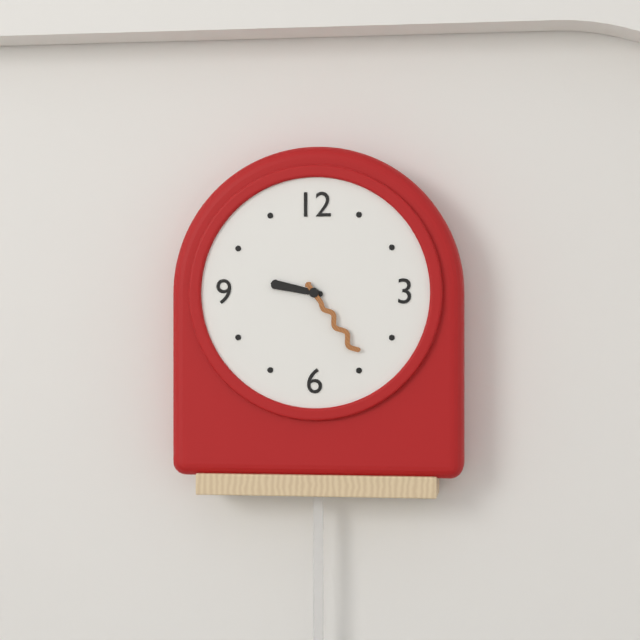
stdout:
9:24
